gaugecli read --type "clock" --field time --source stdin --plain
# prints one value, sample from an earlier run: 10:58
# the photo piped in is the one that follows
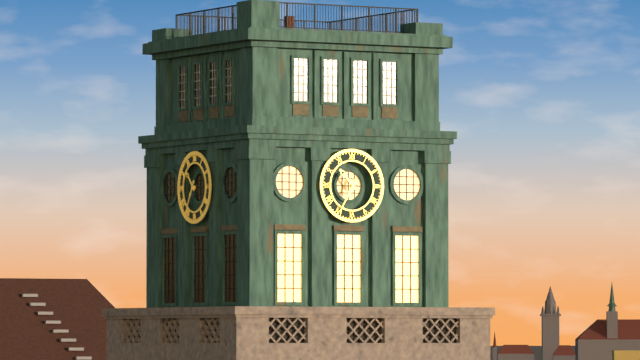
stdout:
10:35
